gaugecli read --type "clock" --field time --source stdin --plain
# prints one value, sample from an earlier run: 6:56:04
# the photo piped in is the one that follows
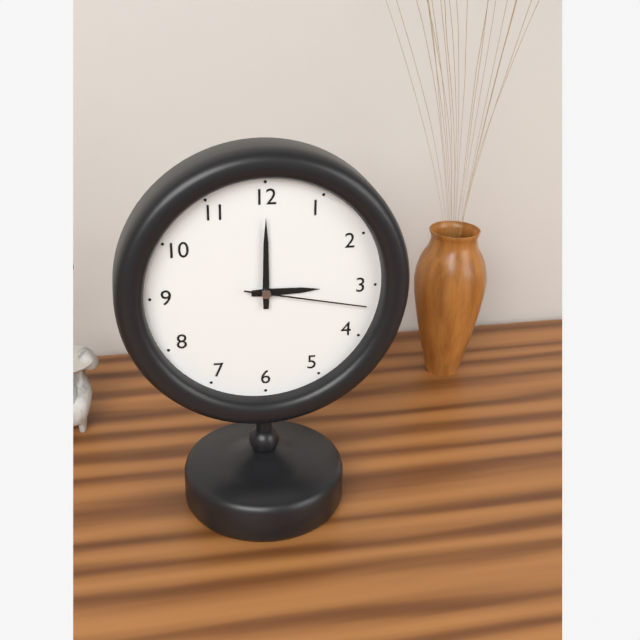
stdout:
3:00:17
